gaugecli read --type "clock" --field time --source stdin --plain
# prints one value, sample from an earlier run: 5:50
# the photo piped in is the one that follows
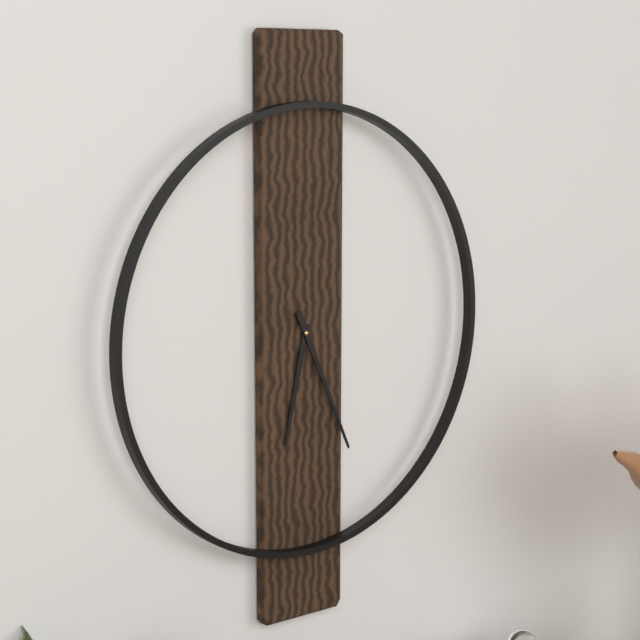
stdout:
6:26
